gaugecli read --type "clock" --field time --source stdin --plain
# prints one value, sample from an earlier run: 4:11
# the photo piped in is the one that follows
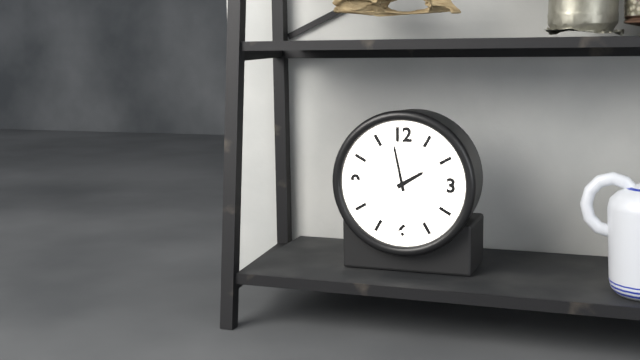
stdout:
1:58
